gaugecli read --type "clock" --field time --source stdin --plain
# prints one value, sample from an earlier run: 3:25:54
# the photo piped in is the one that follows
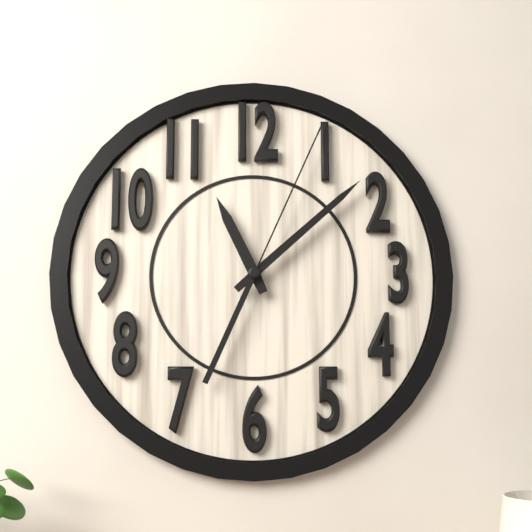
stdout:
11:08:04
